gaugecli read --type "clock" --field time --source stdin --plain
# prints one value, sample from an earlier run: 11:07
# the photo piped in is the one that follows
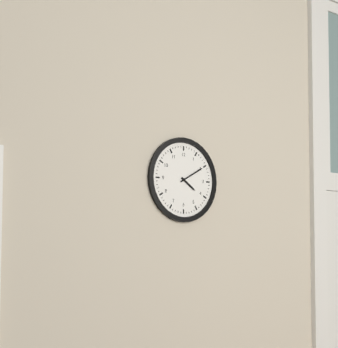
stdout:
4:10
